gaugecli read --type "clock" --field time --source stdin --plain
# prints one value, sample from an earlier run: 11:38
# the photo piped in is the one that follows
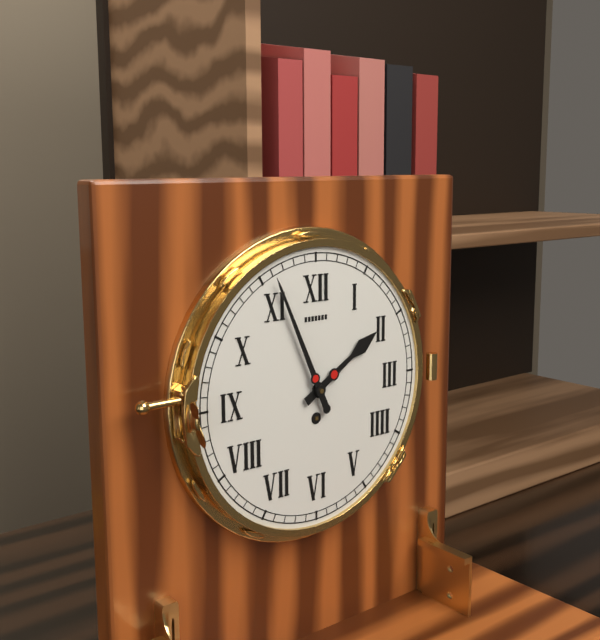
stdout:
1:56
